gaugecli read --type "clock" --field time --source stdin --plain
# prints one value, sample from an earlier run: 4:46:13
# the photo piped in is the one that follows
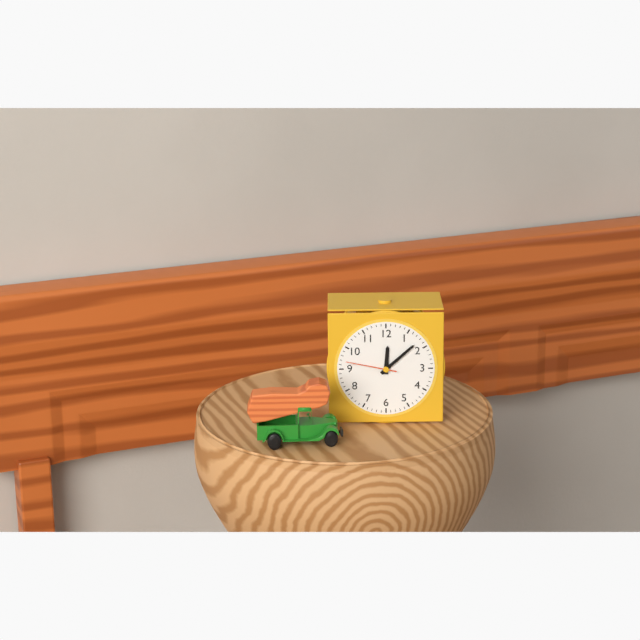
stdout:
12:08:47
